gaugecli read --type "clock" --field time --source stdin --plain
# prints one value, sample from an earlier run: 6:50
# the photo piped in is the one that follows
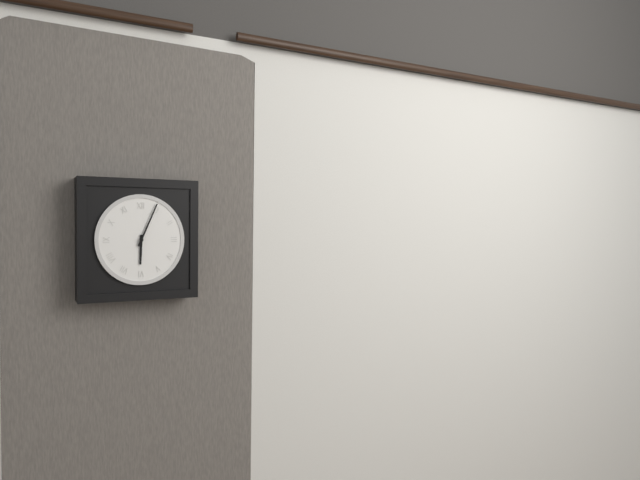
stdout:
6:04
